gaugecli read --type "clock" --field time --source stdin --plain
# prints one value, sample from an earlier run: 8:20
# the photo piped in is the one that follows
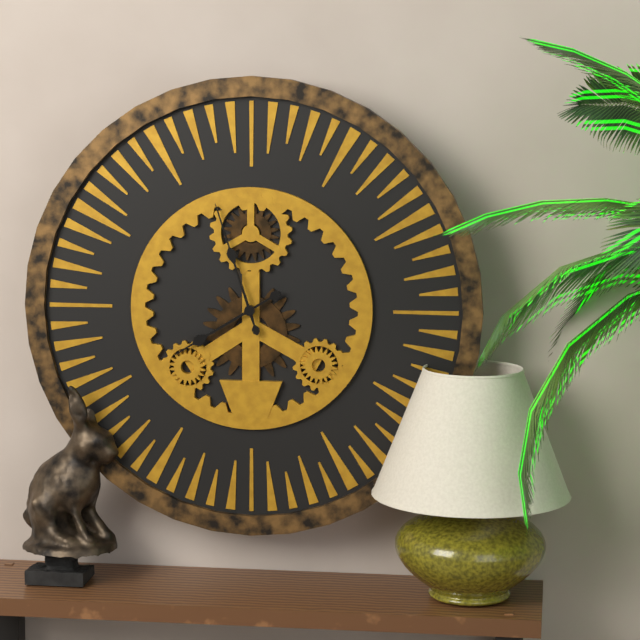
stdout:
7:57
